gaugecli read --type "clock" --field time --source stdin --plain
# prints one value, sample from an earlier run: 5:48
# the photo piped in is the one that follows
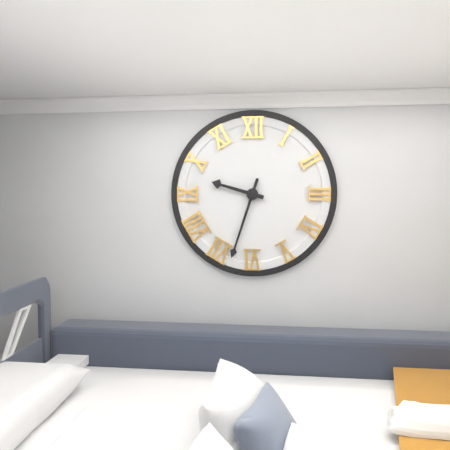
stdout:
9:33
